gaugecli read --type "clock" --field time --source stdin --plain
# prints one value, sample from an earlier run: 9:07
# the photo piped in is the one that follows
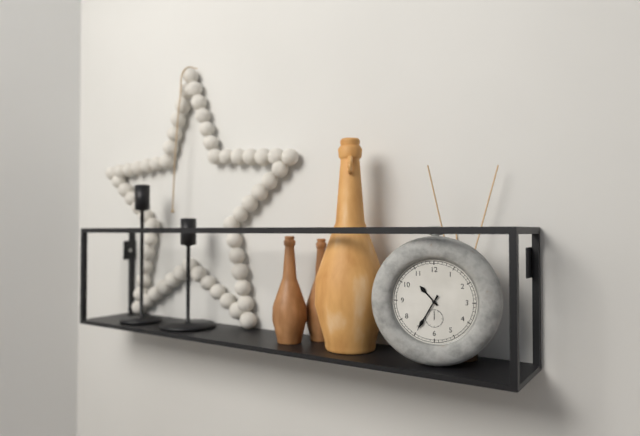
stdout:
10:35
